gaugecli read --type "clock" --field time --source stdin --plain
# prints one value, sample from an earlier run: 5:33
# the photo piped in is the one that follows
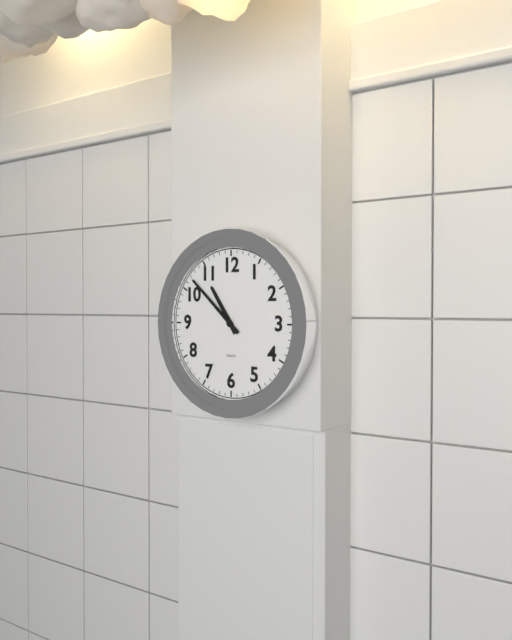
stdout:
10:52
